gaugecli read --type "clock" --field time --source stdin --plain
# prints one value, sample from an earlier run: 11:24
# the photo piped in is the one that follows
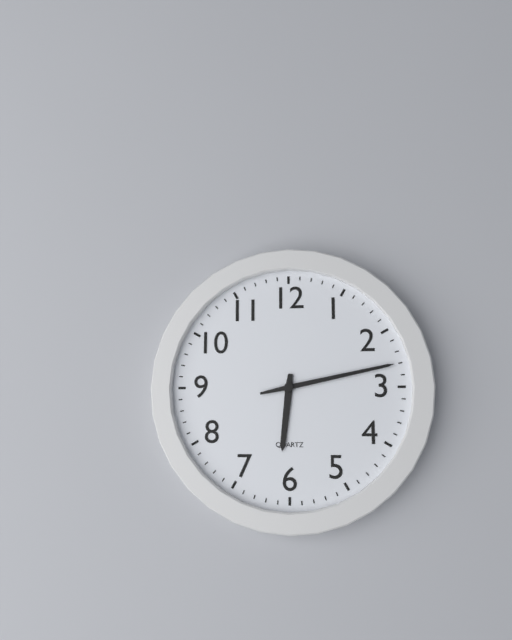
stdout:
6:13
